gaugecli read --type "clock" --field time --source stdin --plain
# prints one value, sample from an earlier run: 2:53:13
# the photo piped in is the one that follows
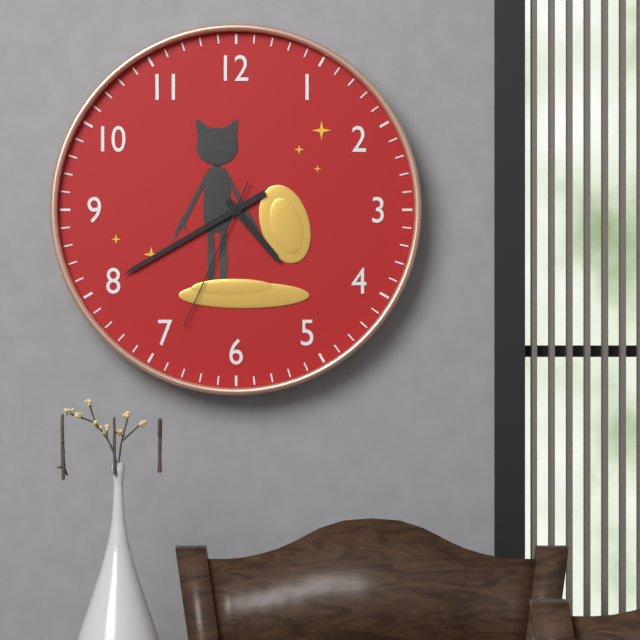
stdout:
4:40:34
